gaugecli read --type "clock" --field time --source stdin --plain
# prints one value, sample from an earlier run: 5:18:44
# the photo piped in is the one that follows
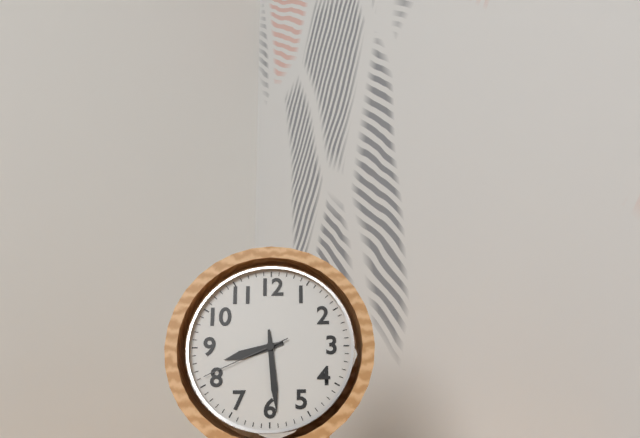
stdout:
8:29:41
